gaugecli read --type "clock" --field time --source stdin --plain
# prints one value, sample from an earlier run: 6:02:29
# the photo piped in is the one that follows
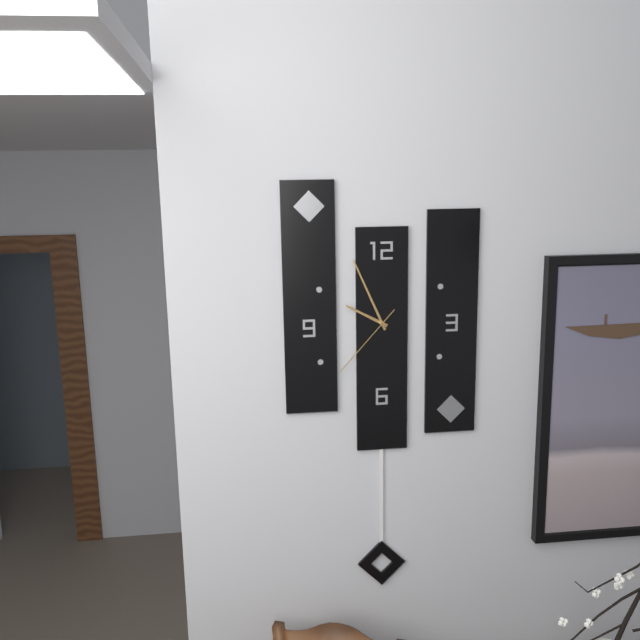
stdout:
9:56:37
